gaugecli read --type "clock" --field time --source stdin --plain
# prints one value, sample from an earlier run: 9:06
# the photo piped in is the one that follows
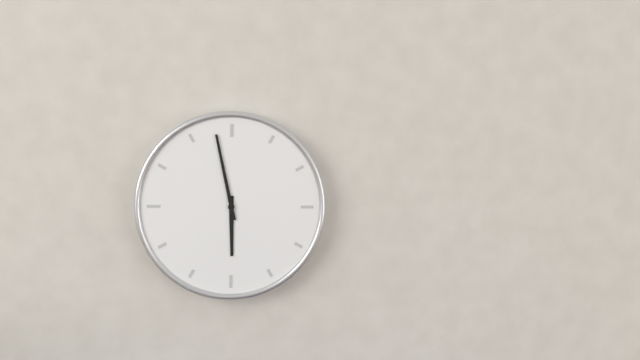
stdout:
5:58
